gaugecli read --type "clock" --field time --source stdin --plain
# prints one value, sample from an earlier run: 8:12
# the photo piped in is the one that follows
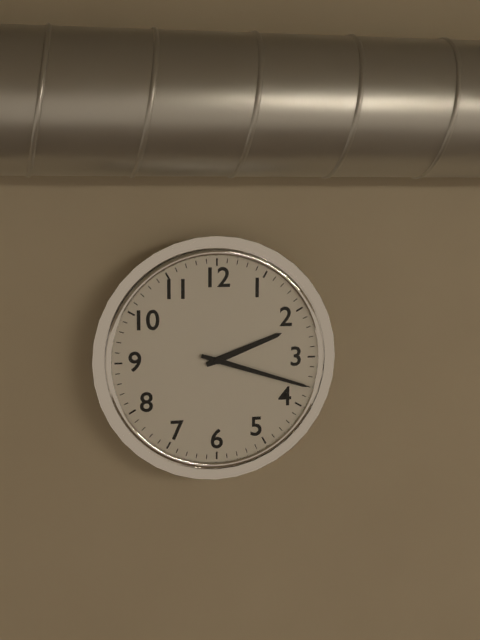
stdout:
2:18
